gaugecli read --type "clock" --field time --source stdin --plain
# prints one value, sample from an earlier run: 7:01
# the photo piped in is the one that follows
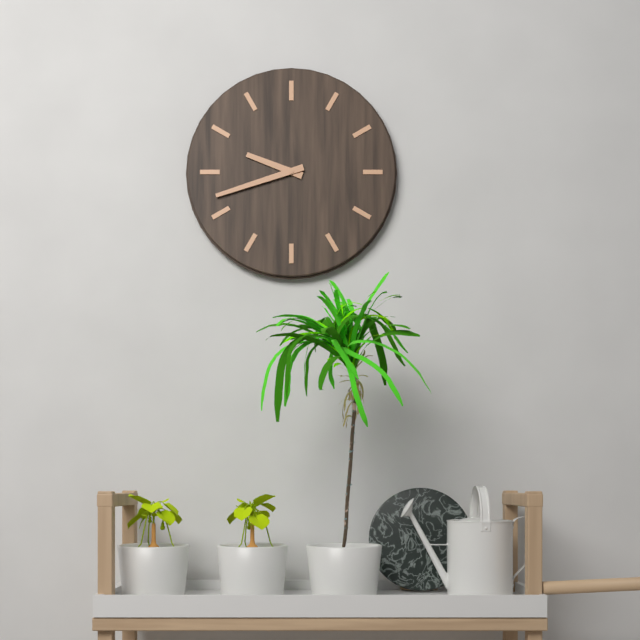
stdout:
9:42
